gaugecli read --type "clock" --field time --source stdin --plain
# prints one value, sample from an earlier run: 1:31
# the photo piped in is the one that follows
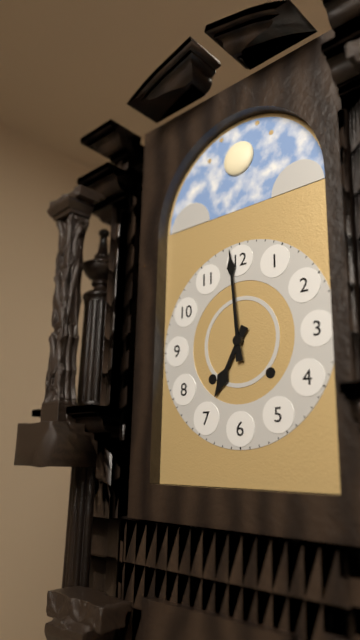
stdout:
6:59
